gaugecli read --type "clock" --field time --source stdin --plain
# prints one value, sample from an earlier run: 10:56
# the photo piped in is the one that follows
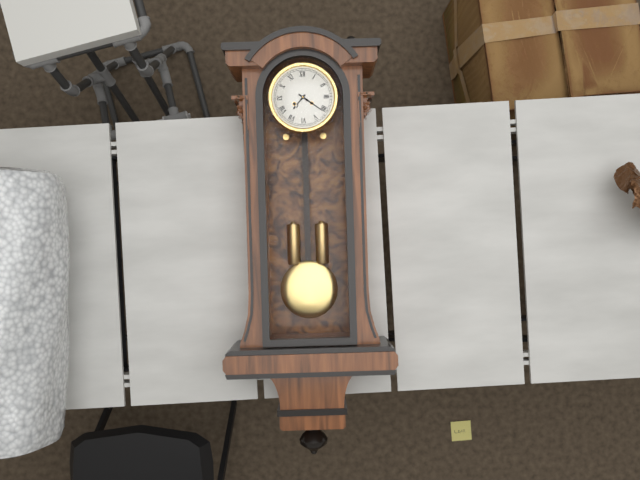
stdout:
7:21
